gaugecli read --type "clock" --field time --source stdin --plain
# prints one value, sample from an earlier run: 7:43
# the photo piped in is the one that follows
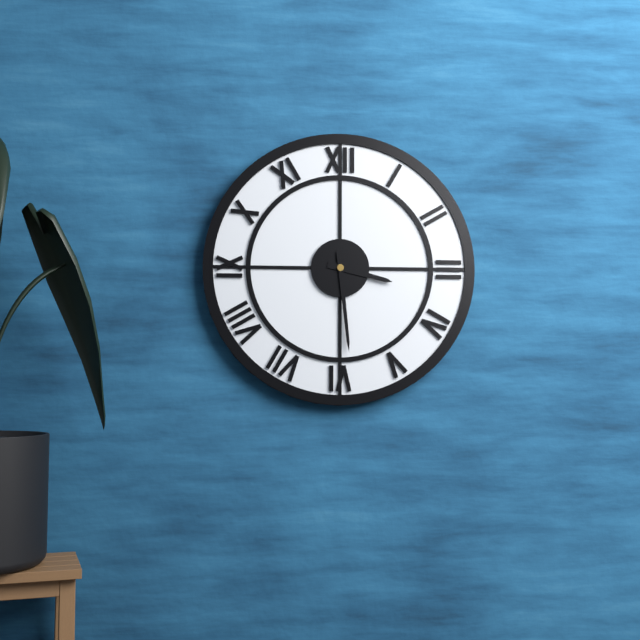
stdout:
3:29
